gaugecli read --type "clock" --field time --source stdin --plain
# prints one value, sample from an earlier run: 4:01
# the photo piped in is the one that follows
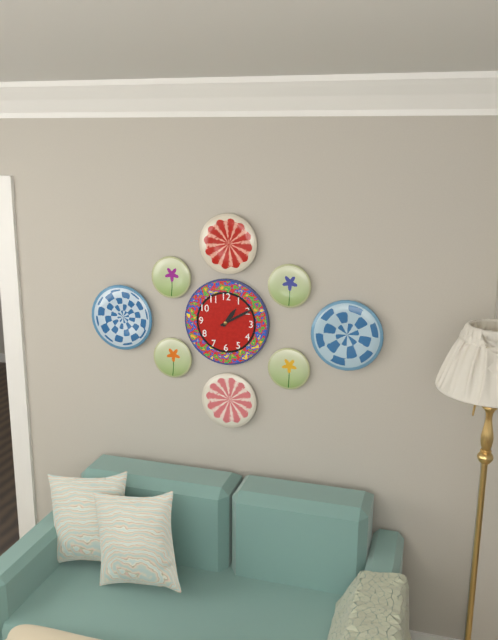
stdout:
1:10
